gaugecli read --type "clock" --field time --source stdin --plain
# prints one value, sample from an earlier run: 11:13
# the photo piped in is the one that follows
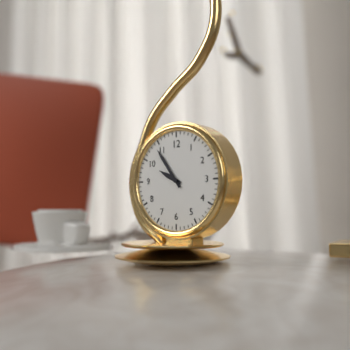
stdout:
9:54
